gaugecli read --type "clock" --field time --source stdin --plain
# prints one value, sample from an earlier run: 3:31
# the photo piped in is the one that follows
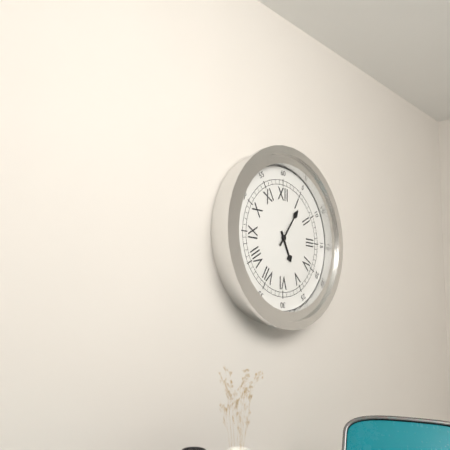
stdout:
5:06
